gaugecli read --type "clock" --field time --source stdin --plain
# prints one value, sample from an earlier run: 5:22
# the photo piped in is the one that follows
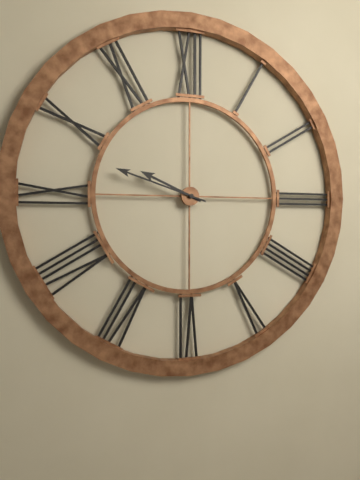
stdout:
9:48
